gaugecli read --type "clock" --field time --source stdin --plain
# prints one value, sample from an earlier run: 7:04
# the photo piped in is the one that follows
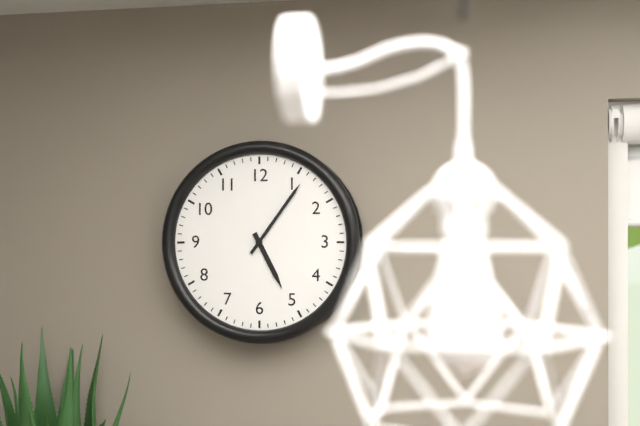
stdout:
5:06
